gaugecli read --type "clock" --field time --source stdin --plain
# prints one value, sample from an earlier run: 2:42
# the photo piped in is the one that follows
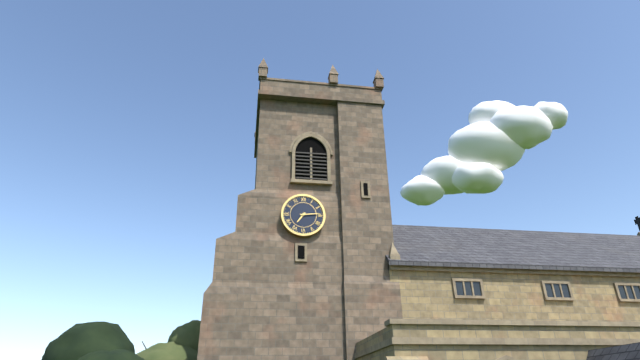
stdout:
7:14
